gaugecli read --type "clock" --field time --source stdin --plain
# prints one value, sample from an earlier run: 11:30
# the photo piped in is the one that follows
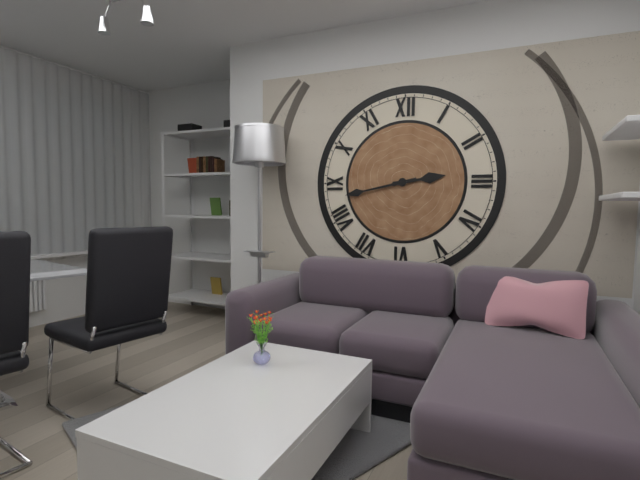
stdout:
2:43
